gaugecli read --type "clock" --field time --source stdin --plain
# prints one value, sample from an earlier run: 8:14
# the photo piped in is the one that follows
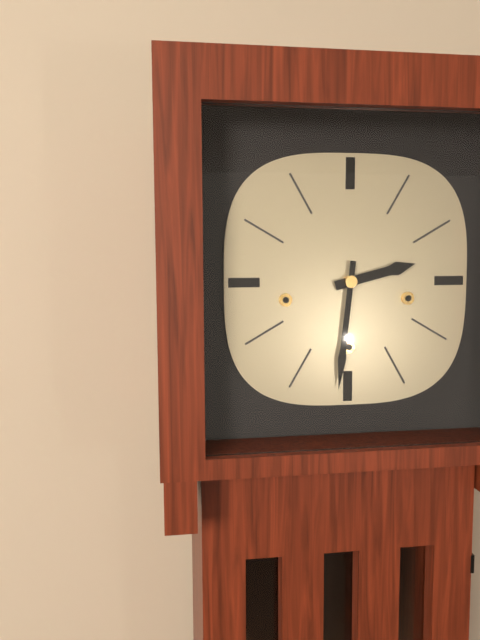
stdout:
2:31
